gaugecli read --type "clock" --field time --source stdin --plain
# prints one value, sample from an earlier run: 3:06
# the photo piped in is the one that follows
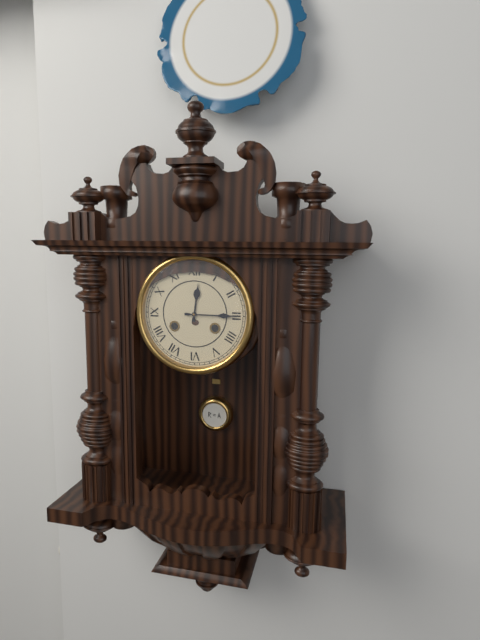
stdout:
12:15
